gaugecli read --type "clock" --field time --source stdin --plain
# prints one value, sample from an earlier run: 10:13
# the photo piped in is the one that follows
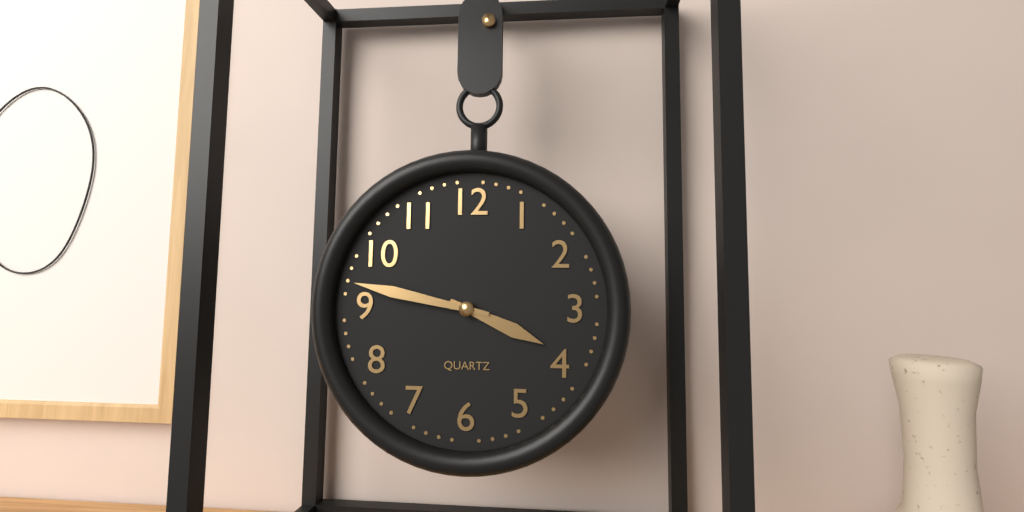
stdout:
3:47
